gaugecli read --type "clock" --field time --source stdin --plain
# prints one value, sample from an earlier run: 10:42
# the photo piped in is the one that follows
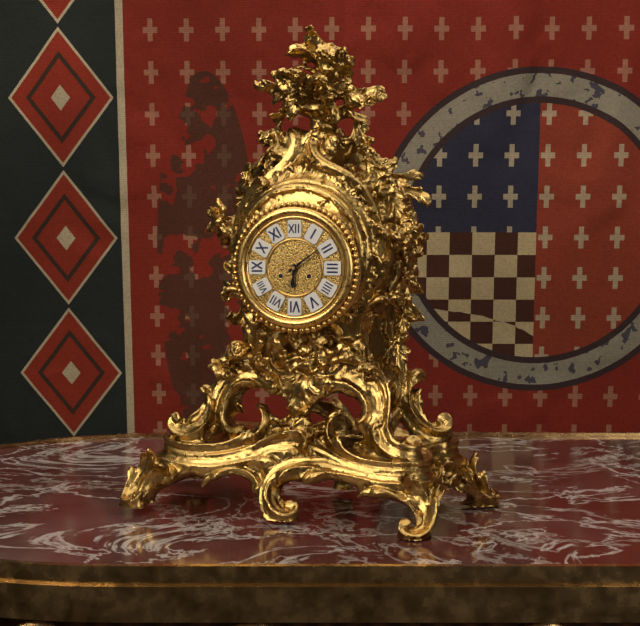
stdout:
6:09
